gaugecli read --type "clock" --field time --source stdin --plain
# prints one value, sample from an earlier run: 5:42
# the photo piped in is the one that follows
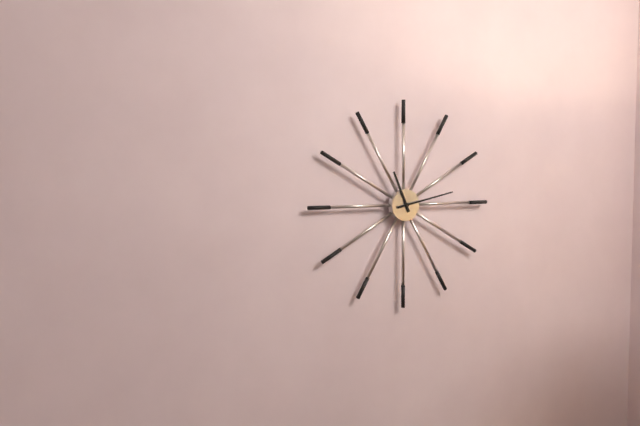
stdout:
11:13
